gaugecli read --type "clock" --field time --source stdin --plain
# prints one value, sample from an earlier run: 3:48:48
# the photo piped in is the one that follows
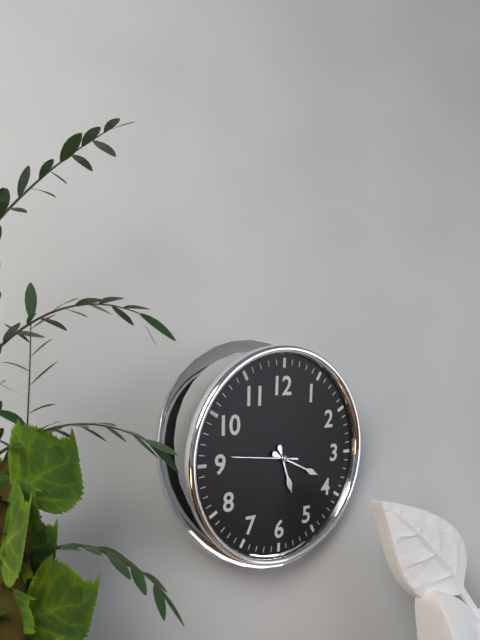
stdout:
5:19:46
